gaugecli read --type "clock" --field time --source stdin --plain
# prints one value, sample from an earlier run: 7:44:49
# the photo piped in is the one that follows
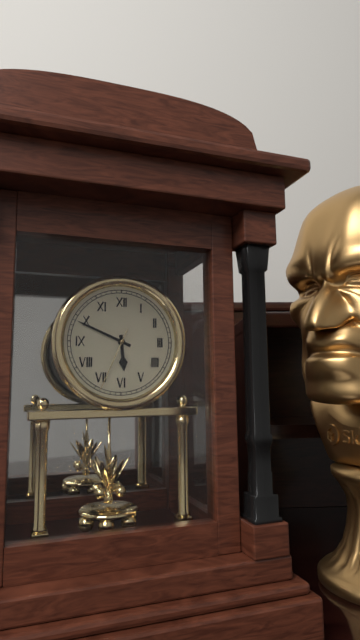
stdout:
5:49:34
